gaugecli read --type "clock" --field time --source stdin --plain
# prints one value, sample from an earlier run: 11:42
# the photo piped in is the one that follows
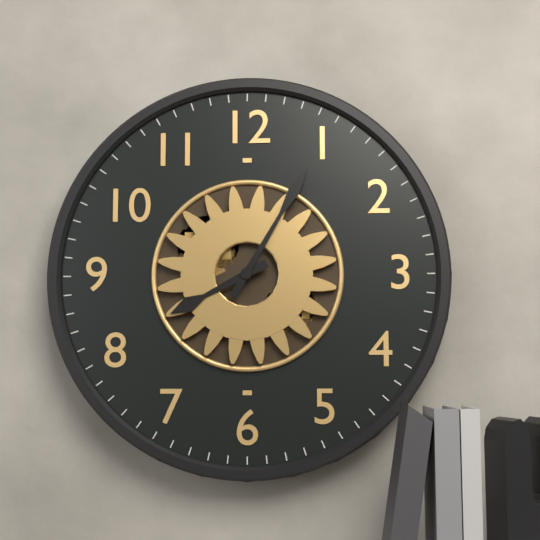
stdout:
8:05
